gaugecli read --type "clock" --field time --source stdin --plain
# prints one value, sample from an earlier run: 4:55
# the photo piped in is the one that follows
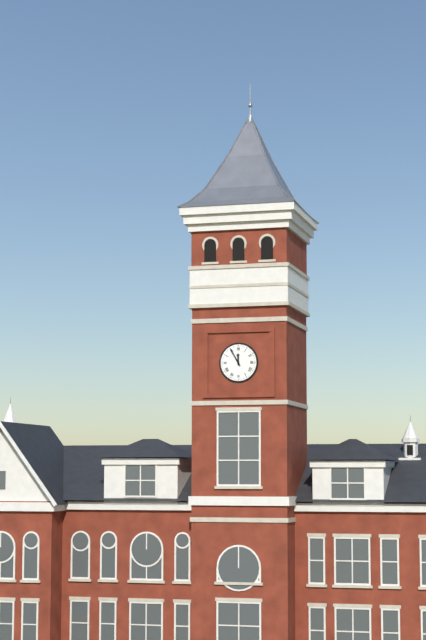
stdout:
11:55
